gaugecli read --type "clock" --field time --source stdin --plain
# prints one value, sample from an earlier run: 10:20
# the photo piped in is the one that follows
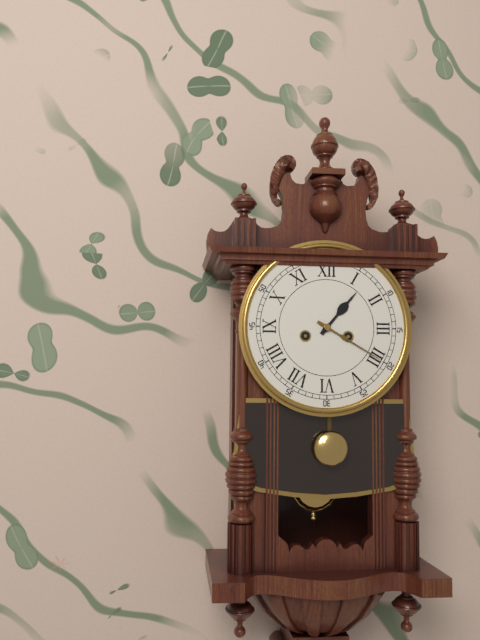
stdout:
1:20
